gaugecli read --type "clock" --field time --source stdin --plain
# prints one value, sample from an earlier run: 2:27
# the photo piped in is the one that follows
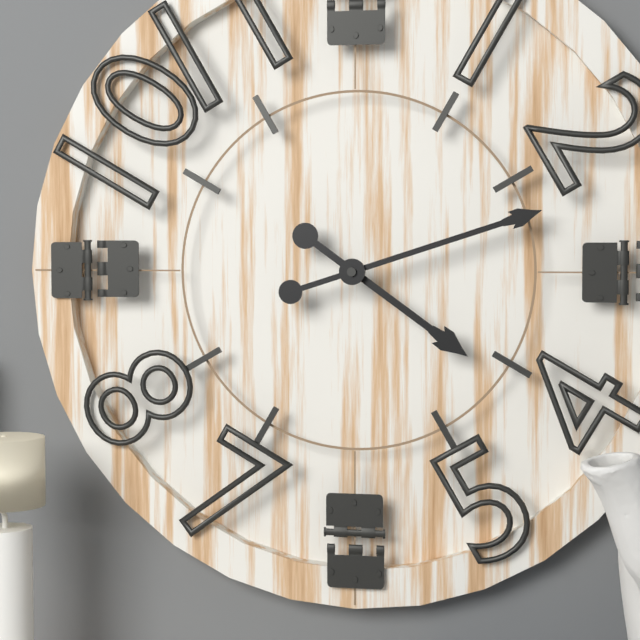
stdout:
4:12
